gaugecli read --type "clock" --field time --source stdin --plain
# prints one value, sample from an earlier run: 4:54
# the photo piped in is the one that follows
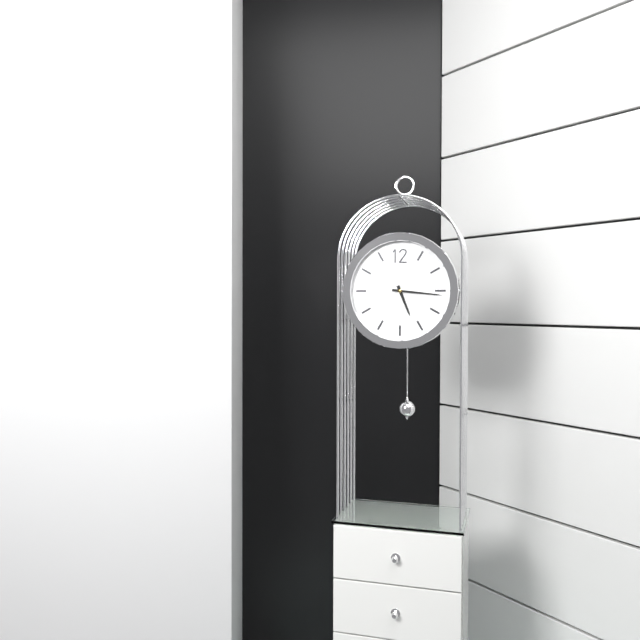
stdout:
5:16
